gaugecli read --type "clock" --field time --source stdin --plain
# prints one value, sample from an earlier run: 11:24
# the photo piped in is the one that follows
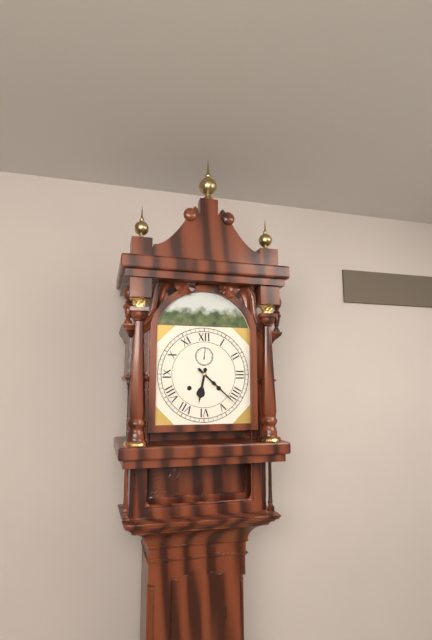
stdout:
6:22
